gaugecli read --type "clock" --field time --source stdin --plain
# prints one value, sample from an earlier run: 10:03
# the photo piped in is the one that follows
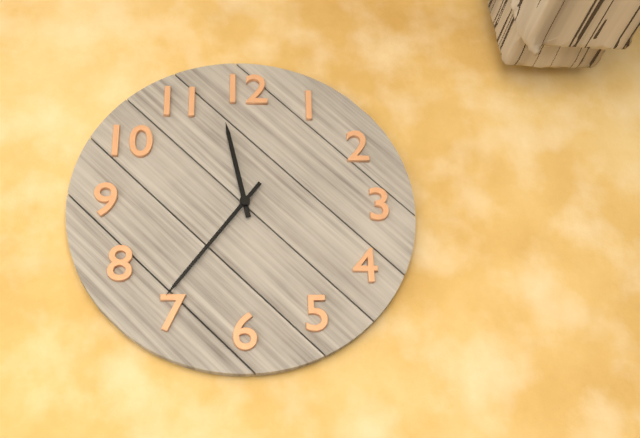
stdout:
11:36
